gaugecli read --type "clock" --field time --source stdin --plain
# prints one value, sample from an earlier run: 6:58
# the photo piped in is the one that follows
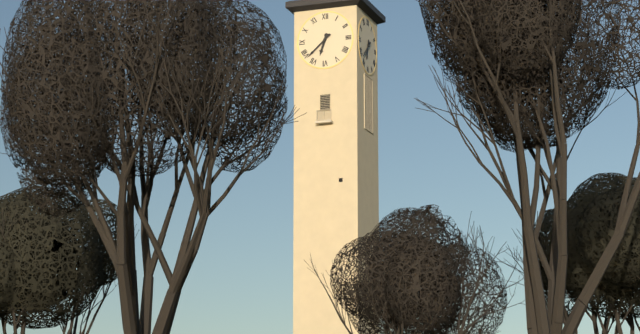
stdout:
6:38
